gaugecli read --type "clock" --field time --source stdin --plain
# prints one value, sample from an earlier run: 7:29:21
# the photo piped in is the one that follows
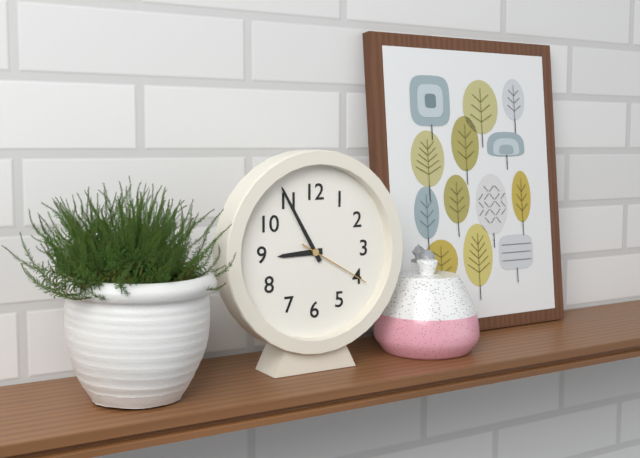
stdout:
8:55:20
